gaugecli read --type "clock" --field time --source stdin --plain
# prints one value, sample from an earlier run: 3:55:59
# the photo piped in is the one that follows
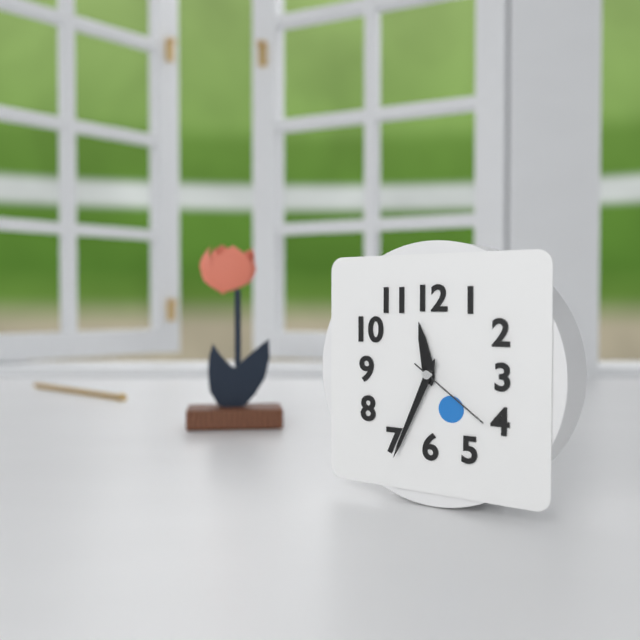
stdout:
11:34:21
